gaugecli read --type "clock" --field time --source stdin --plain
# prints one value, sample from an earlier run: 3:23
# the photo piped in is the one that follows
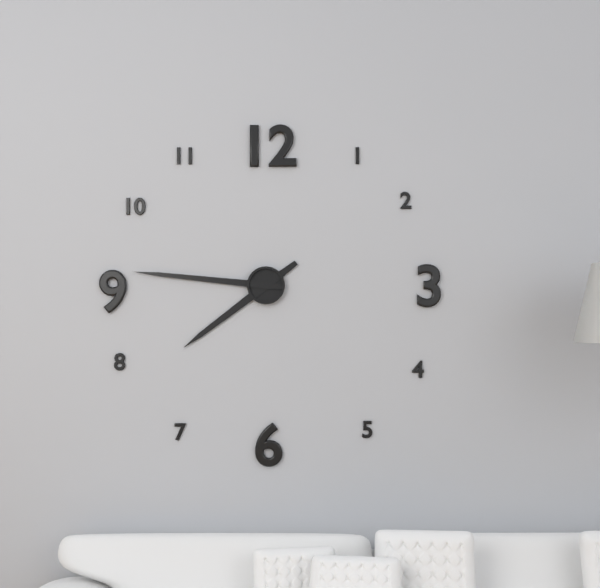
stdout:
7:46
